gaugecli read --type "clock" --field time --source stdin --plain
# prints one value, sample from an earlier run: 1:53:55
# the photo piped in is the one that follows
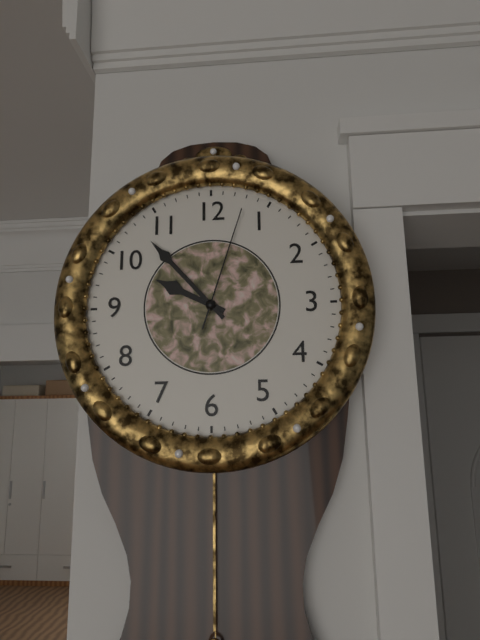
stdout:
9:53:03
